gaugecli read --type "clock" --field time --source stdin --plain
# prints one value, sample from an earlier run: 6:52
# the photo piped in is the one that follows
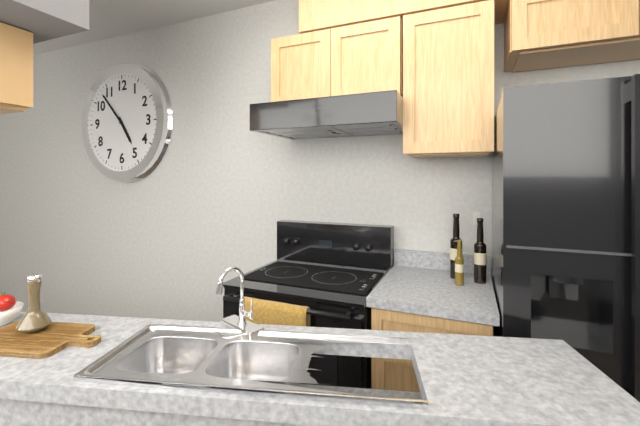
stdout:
4:53
